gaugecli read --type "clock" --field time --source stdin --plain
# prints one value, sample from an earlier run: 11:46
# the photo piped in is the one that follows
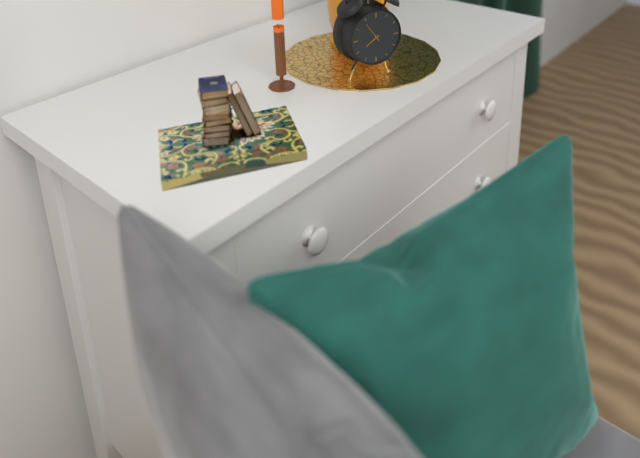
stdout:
7:54
